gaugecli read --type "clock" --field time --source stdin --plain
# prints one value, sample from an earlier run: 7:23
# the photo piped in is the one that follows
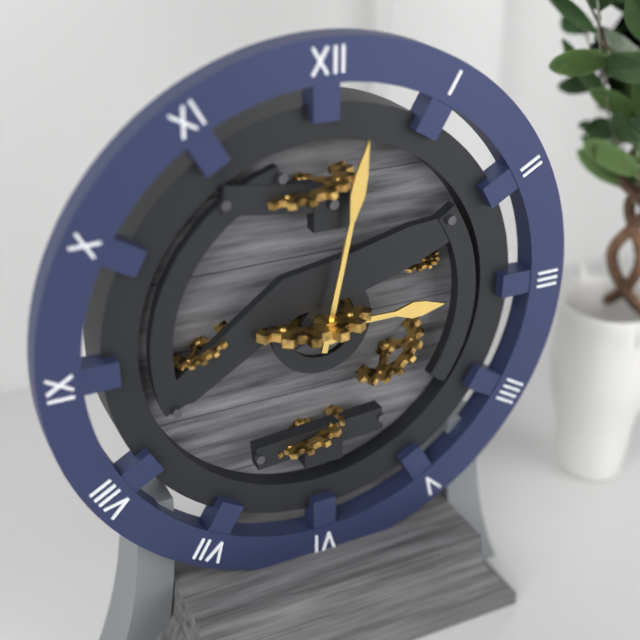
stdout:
3:02
